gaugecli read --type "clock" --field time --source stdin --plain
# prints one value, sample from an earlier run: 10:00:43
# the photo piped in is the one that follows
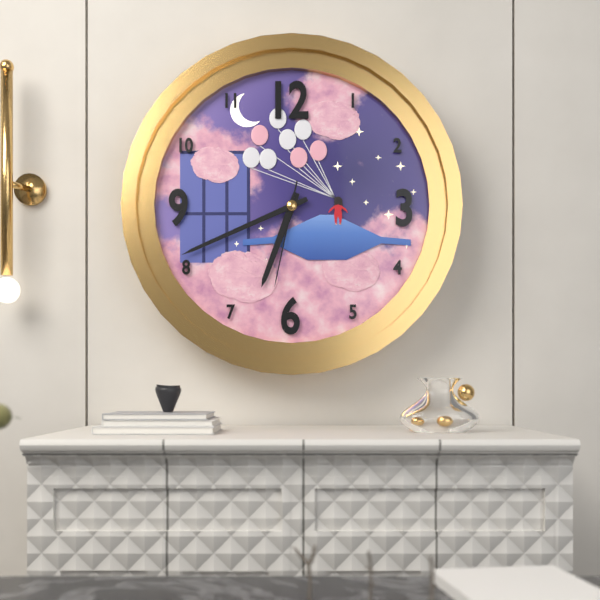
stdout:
6:41:32
